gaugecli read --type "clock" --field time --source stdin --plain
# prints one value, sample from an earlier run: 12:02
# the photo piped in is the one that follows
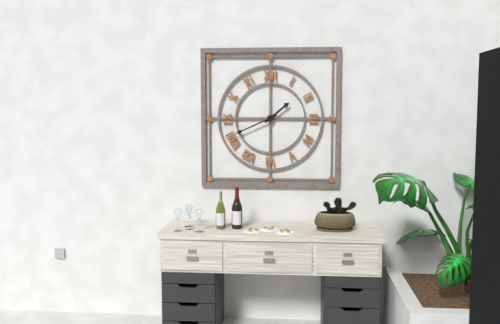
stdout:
1:41
